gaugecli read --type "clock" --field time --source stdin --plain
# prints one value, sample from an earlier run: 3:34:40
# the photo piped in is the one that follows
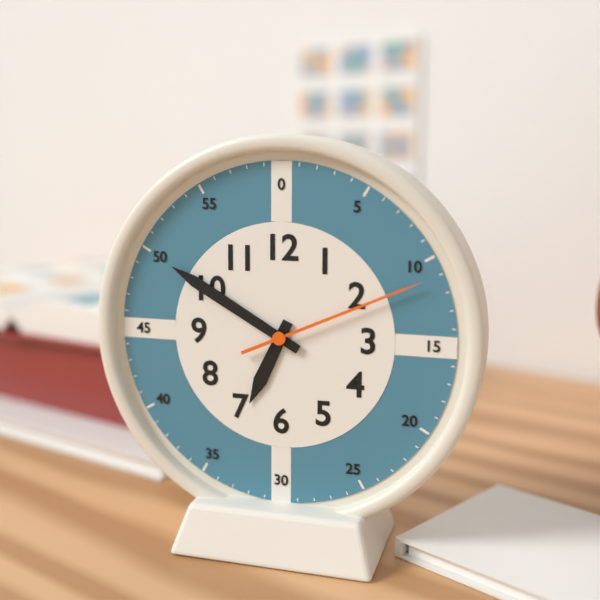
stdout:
6:50:11
